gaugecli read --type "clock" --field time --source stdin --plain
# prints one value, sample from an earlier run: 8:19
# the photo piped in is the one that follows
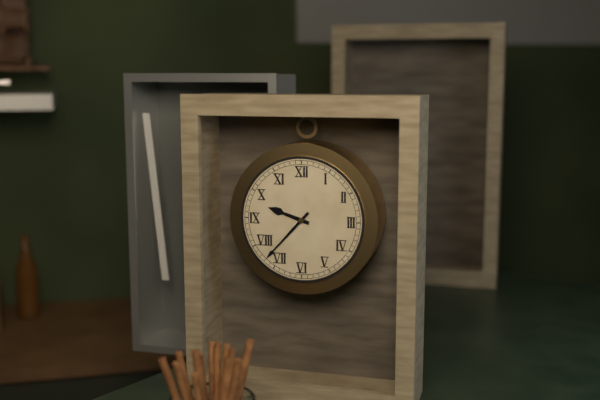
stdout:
9:37
